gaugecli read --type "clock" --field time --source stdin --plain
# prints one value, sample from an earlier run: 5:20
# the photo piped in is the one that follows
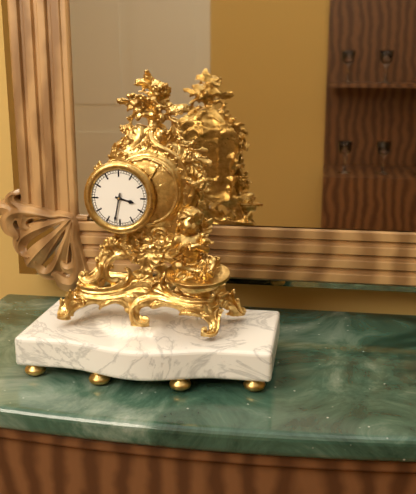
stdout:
3:32
